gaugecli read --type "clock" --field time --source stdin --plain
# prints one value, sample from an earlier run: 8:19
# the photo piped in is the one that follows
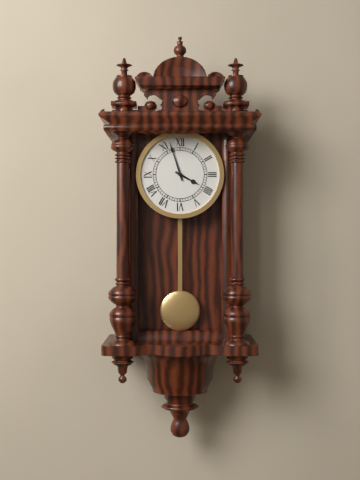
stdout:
3:57
